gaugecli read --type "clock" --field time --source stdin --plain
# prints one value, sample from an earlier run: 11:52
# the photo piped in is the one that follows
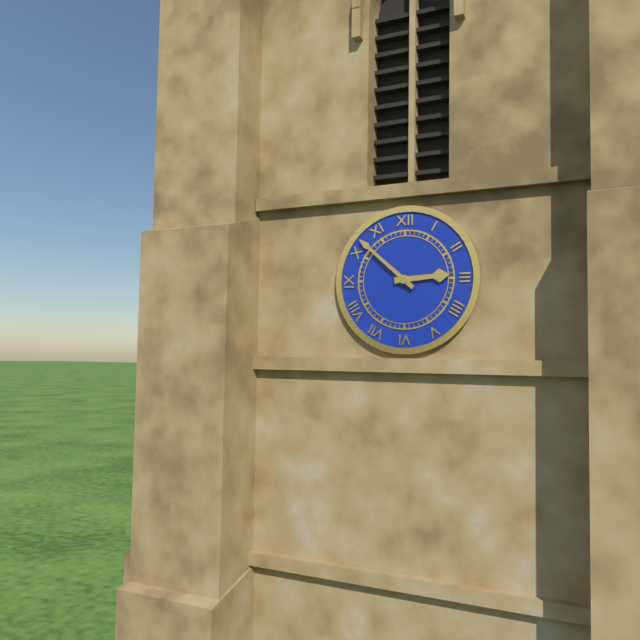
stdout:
2:52
